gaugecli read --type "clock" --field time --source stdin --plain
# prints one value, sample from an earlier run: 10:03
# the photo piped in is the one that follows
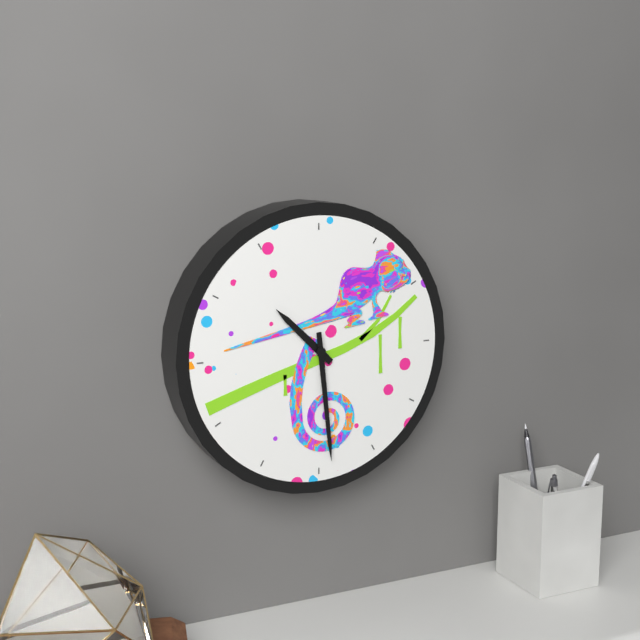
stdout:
10:29
